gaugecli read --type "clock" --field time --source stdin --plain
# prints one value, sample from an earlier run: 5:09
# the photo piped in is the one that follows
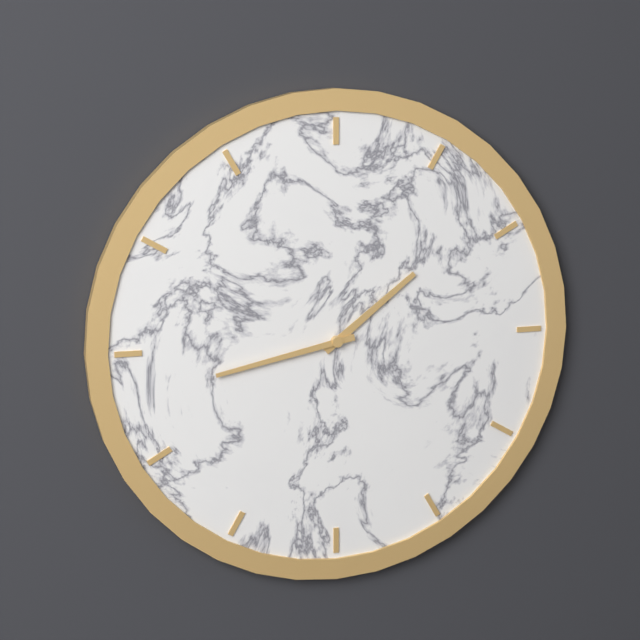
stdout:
1:43
